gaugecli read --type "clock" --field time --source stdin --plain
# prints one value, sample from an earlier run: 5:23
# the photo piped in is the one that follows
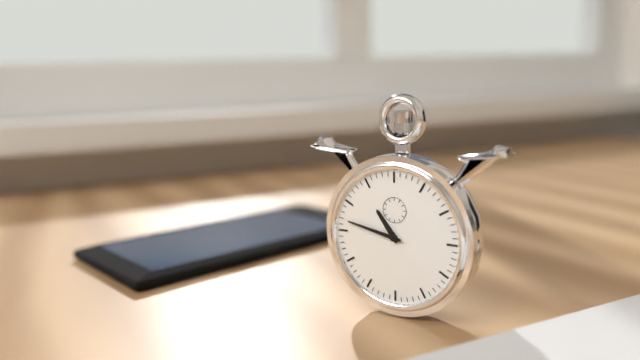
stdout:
10:47
